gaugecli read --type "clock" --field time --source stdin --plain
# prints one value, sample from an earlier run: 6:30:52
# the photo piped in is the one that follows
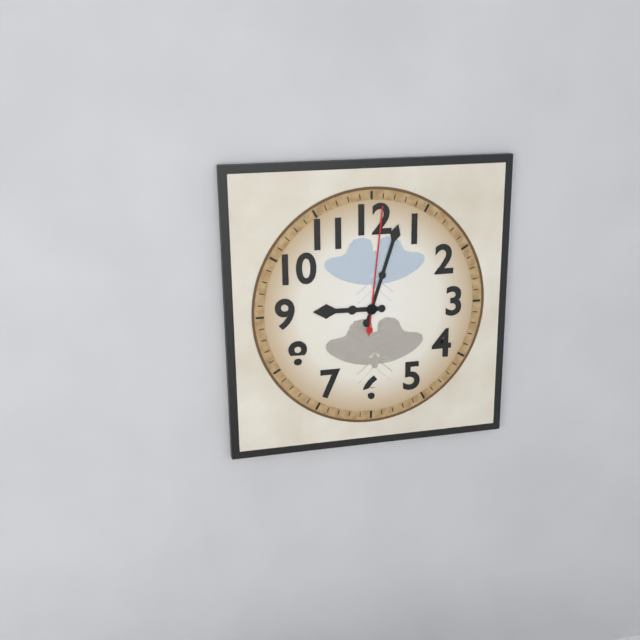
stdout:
9:03:01
